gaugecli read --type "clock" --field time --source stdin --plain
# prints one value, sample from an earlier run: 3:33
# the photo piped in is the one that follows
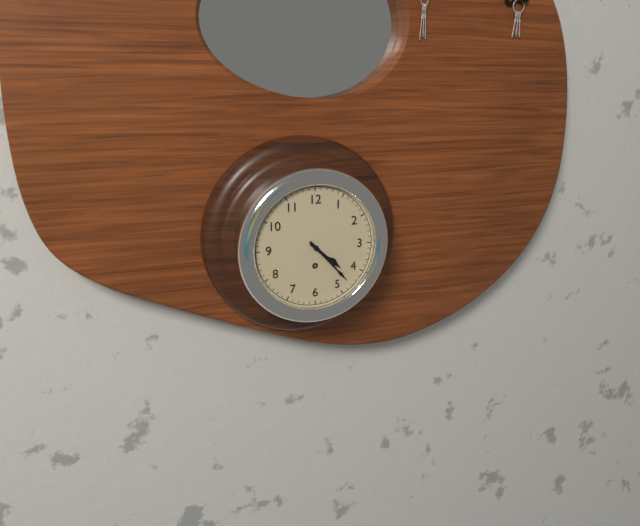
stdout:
4:23
